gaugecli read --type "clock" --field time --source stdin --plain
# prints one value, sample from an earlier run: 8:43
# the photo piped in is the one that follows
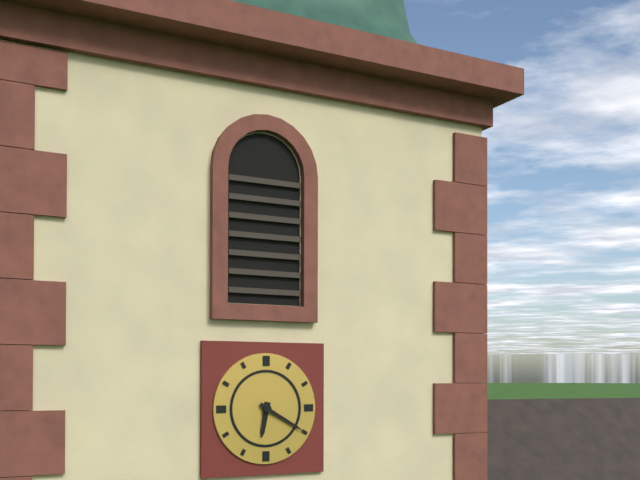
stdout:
6:20
